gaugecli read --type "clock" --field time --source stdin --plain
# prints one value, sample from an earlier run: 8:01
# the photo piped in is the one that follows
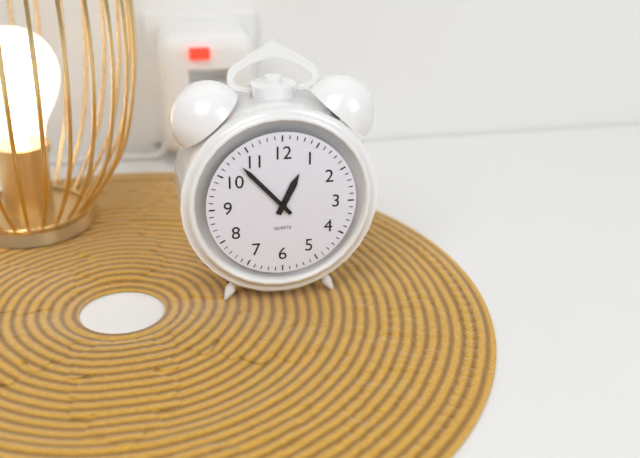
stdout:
12:53
